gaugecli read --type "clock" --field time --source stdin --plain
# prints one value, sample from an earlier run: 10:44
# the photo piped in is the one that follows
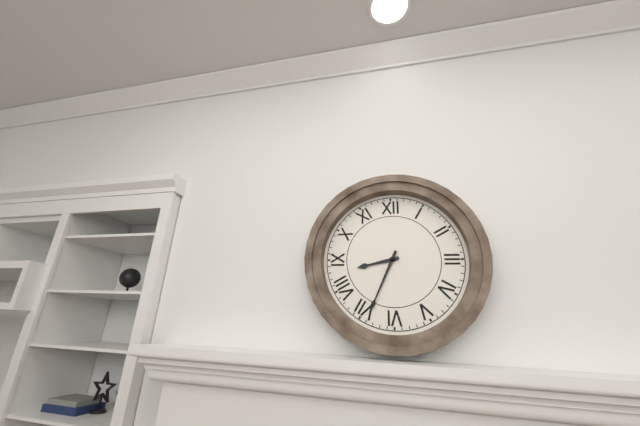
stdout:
8:34
